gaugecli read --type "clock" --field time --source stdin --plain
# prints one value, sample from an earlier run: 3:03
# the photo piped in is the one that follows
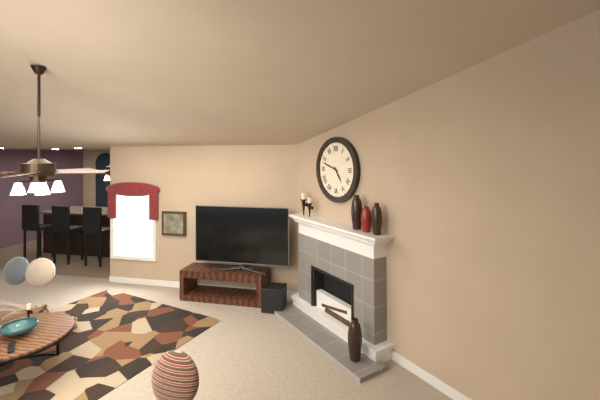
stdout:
4:48
